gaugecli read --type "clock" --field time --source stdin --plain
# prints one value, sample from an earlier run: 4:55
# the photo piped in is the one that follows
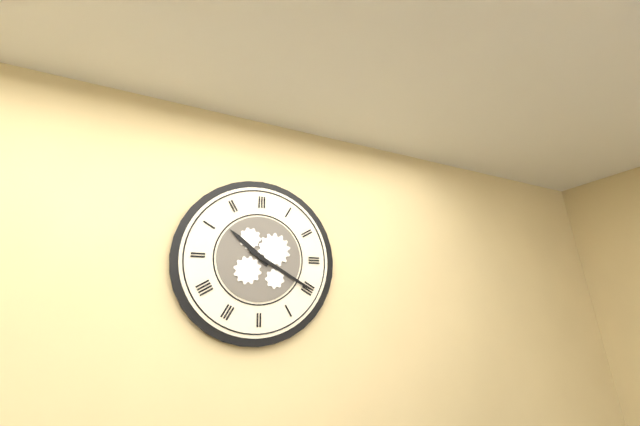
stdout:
10:20
